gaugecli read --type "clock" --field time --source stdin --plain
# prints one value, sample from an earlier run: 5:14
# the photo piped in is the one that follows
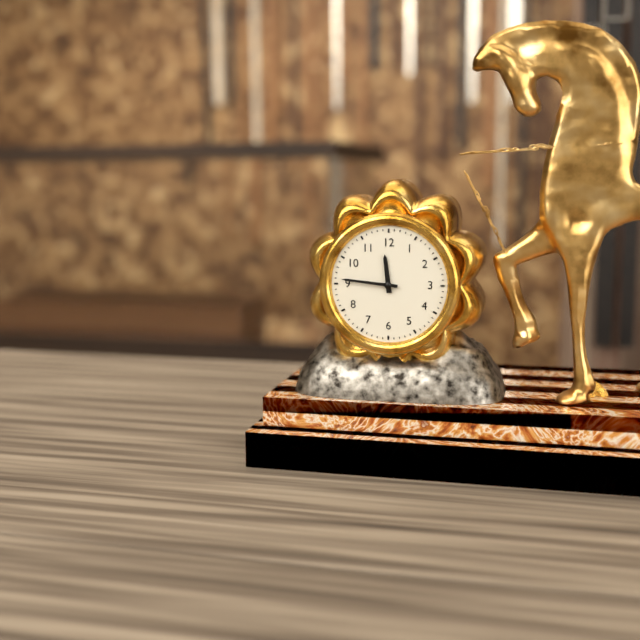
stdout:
11:46
